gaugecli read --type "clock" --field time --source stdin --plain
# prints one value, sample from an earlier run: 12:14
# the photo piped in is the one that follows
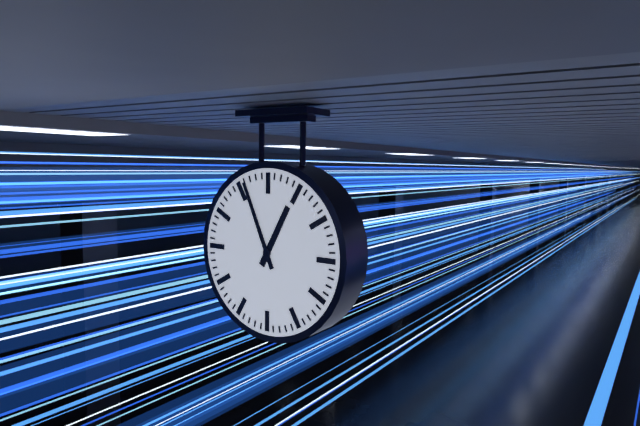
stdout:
12:56
